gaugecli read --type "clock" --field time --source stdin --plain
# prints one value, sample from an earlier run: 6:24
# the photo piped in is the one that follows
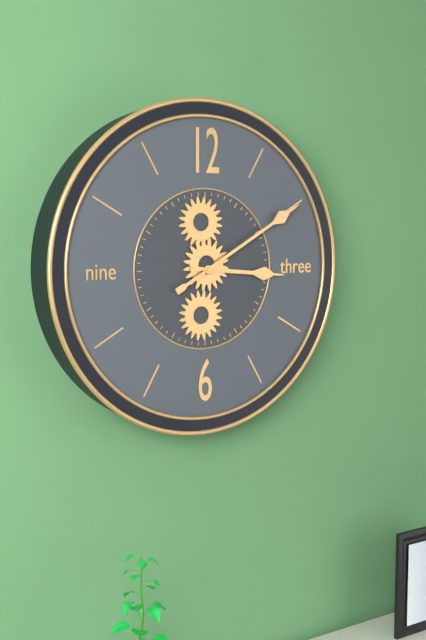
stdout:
3:10
